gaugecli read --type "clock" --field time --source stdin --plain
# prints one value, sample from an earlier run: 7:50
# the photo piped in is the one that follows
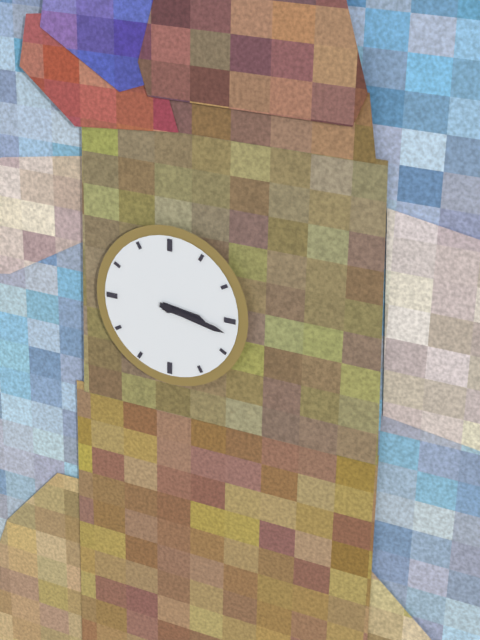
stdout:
3:17
